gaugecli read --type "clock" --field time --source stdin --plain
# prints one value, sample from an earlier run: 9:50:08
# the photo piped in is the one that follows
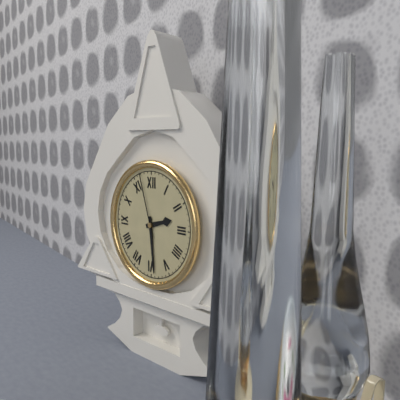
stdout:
2:29:57
